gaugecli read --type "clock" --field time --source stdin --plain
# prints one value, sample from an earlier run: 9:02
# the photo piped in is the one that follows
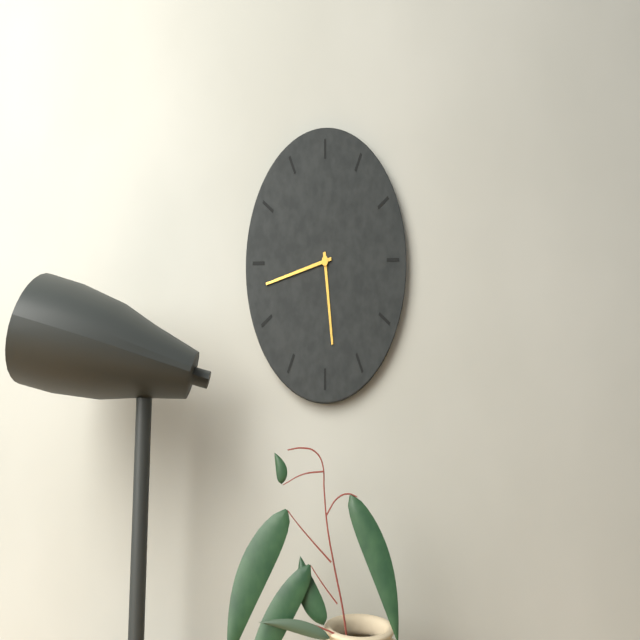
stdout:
5:43
